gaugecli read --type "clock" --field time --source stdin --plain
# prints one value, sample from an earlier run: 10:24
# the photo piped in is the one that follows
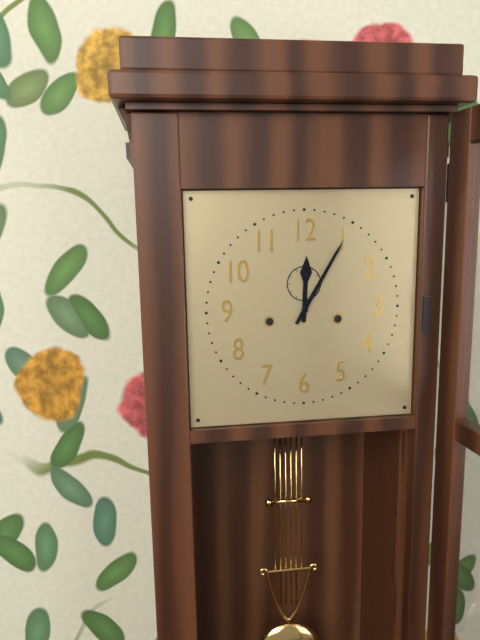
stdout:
12:05
